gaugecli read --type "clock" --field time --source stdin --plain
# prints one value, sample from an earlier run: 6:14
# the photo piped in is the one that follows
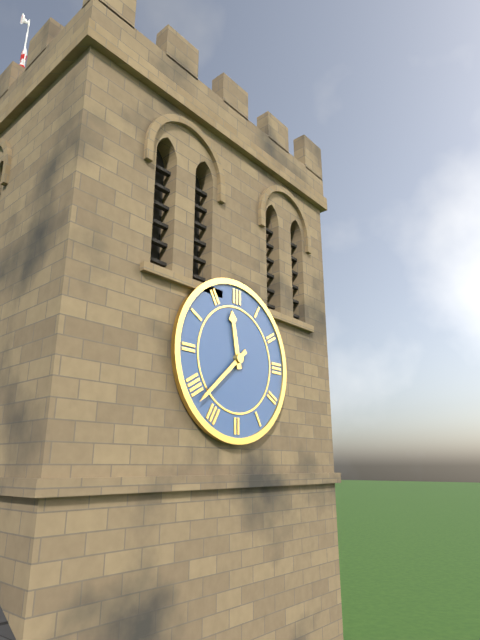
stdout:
11:38
